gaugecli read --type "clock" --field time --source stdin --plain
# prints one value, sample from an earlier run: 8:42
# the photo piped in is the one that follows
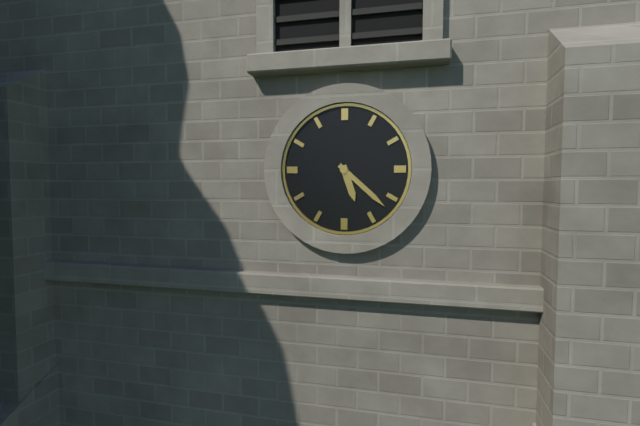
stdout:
5:22
